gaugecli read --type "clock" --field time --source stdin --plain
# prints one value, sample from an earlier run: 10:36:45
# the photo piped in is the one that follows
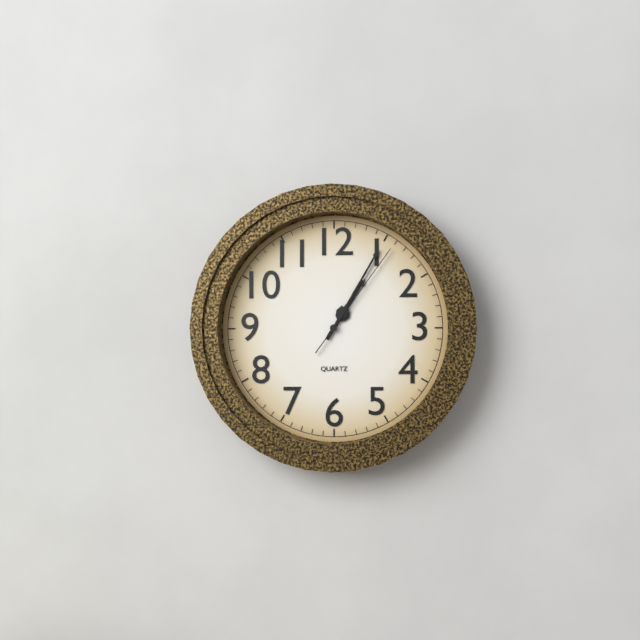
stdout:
1:05:06
